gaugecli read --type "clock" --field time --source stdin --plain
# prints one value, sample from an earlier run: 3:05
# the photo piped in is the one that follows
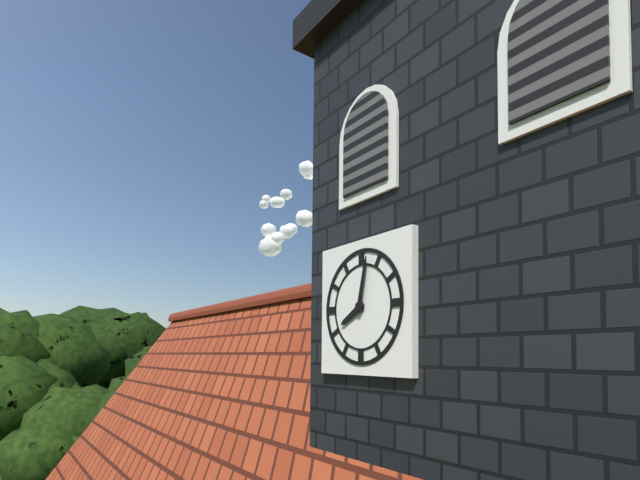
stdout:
8:02
